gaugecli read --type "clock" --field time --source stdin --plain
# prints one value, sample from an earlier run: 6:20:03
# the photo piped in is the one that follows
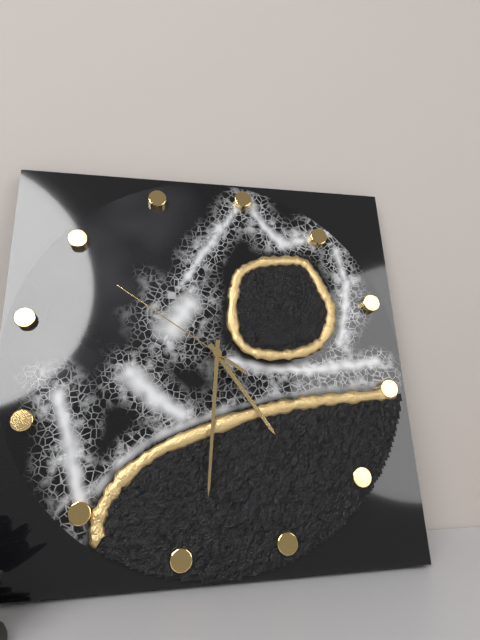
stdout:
4:29:49
